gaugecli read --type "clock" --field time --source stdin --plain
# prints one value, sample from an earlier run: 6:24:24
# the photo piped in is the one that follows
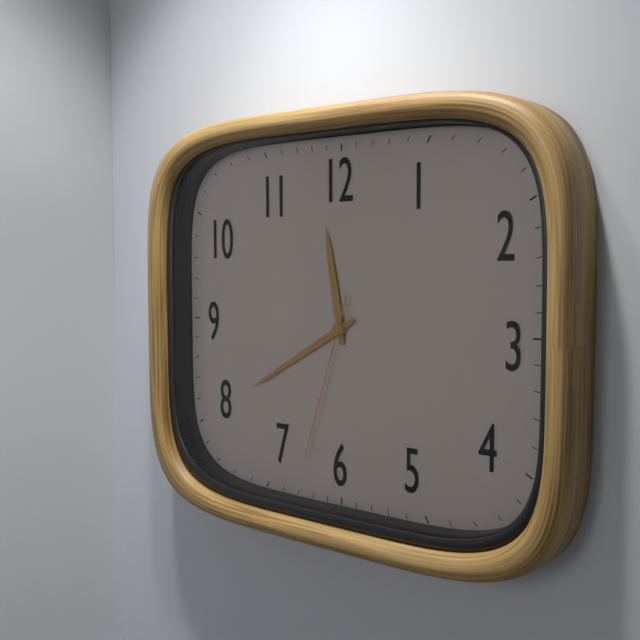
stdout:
11:40:33
